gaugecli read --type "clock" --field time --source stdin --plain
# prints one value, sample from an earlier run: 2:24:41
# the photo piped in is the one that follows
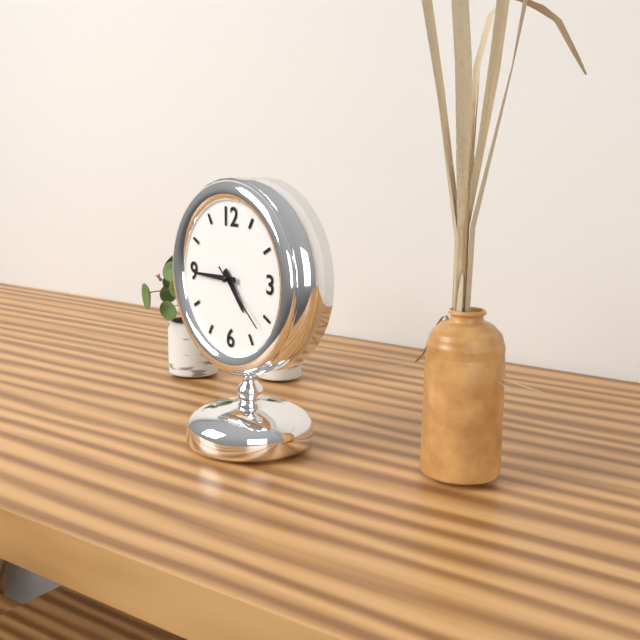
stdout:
4:45:22
